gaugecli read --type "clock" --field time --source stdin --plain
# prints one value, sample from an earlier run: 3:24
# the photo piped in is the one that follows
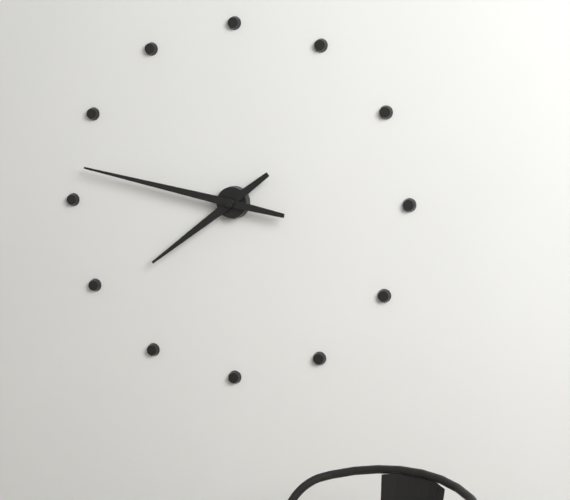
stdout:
7:47
